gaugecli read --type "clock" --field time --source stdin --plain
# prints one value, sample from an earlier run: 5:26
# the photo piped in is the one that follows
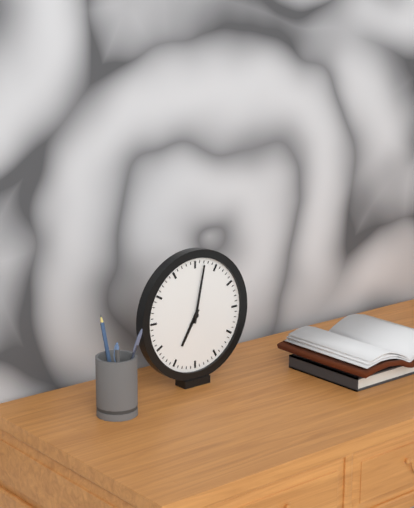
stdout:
7:02
